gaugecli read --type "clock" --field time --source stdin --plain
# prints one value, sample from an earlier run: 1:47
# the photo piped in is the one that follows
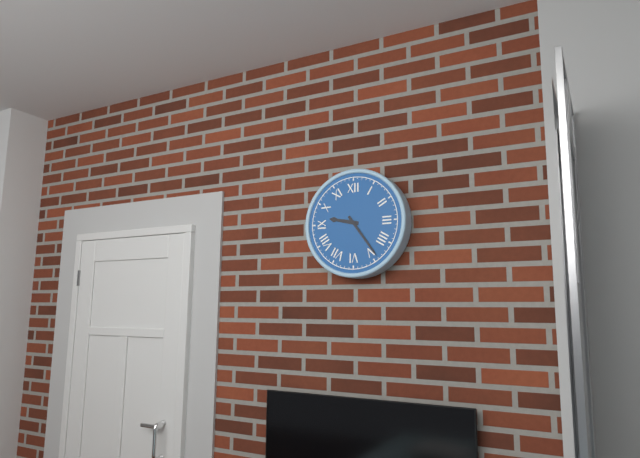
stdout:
9:24
